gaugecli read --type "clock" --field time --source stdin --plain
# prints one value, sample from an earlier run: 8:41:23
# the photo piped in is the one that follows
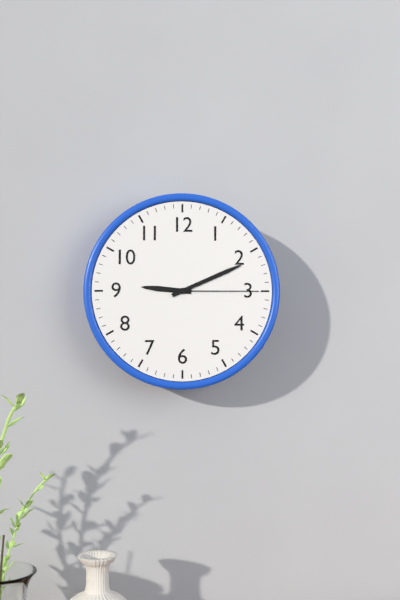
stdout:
9:11:15
